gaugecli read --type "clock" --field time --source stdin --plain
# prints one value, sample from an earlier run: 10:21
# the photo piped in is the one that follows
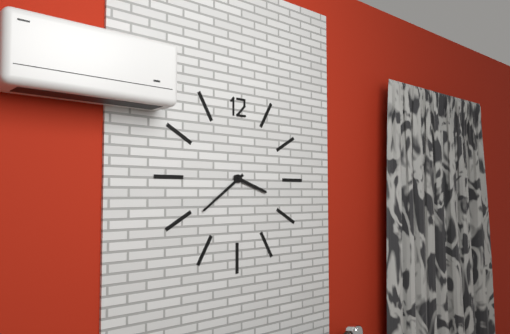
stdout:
3:39
